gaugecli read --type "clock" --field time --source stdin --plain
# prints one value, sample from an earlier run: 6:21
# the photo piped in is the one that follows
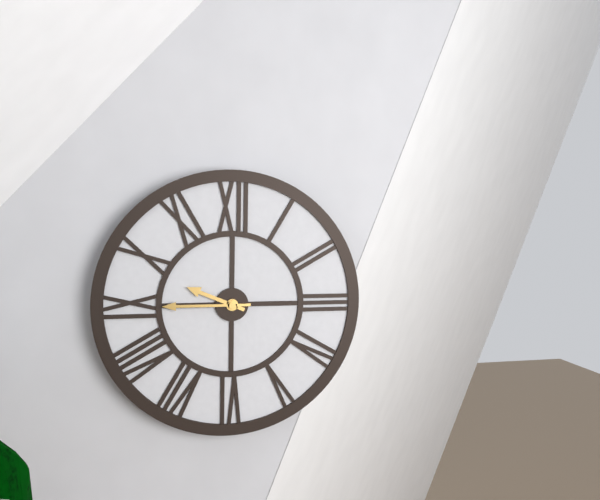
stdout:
9:45
